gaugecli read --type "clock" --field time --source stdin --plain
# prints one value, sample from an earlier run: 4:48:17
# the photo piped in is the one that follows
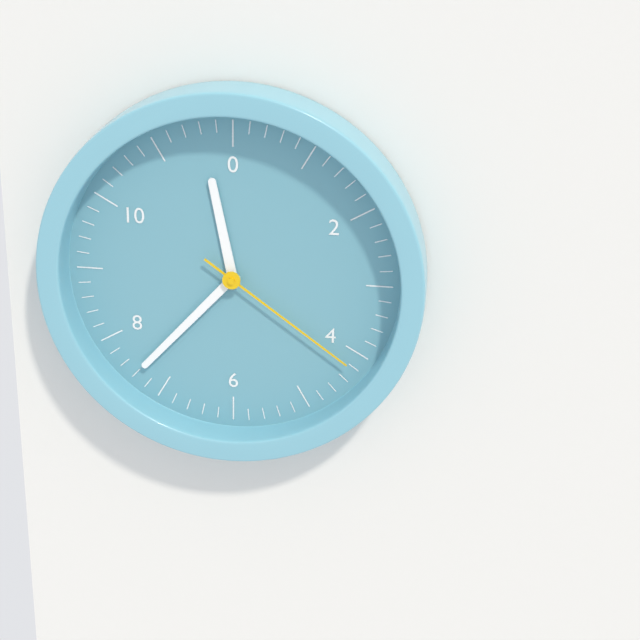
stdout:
11:37:21
